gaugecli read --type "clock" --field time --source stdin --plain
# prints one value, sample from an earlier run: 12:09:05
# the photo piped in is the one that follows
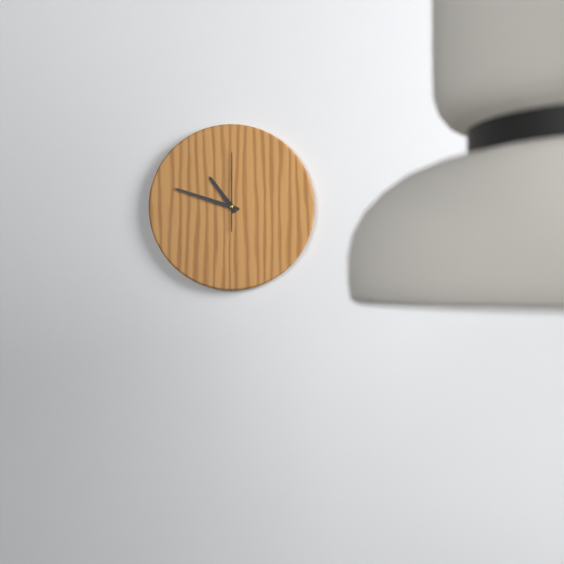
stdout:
10:48:00
